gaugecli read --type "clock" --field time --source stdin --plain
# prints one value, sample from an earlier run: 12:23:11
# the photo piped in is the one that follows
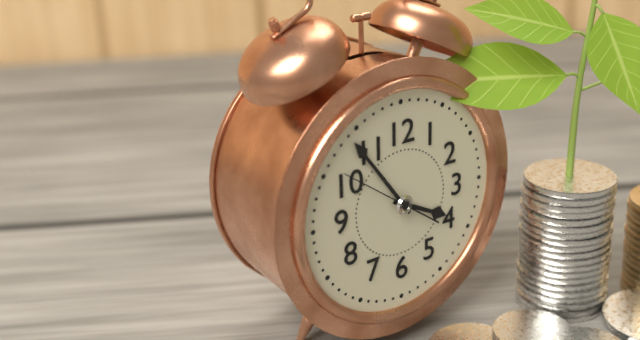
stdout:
3:54:51
